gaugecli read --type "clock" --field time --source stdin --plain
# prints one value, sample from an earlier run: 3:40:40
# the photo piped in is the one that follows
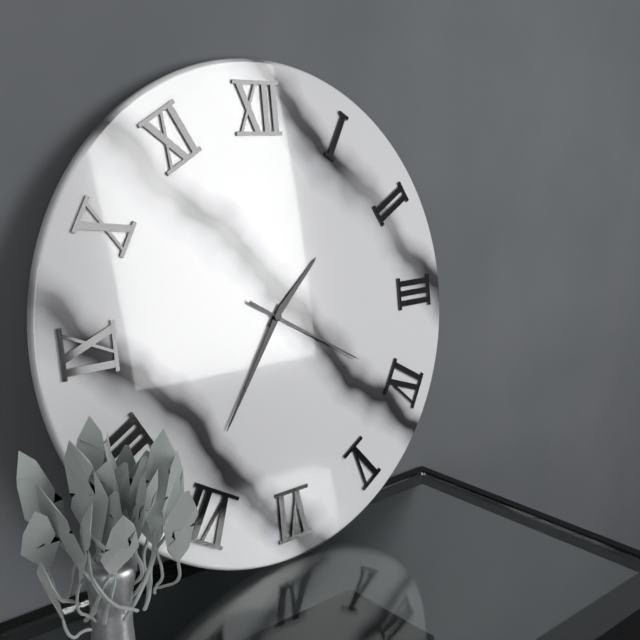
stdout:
1:36:20
